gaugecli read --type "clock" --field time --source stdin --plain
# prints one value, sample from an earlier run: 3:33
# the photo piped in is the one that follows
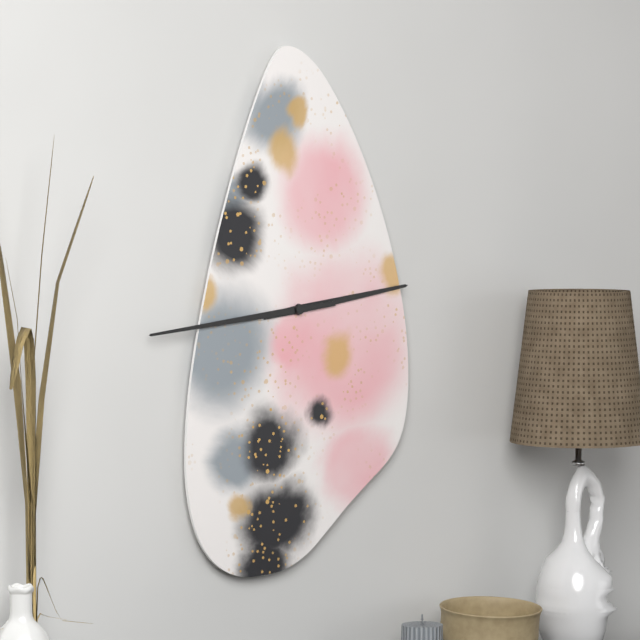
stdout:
2:44
